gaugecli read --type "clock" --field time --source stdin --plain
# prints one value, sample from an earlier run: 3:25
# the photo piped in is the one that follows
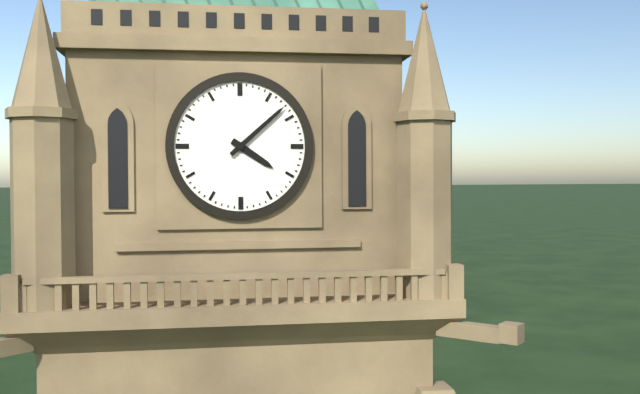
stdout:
4:08
